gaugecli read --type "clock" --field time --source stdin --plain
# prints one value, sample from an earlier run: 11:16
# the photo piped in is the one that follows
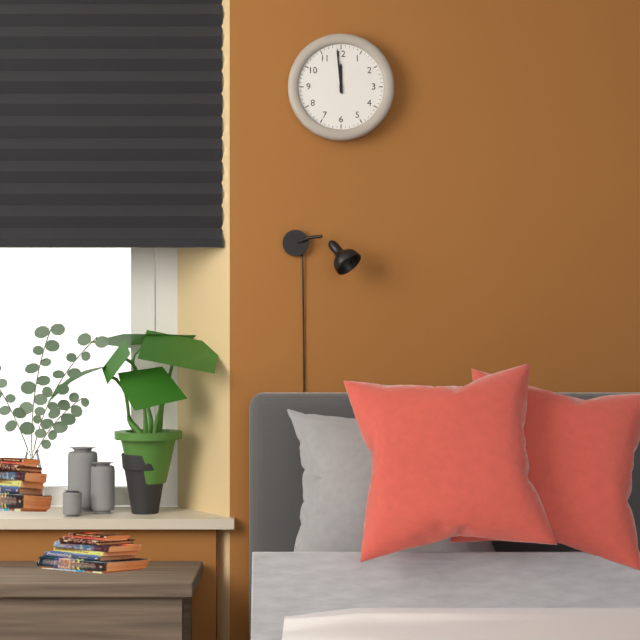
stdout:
11:59
